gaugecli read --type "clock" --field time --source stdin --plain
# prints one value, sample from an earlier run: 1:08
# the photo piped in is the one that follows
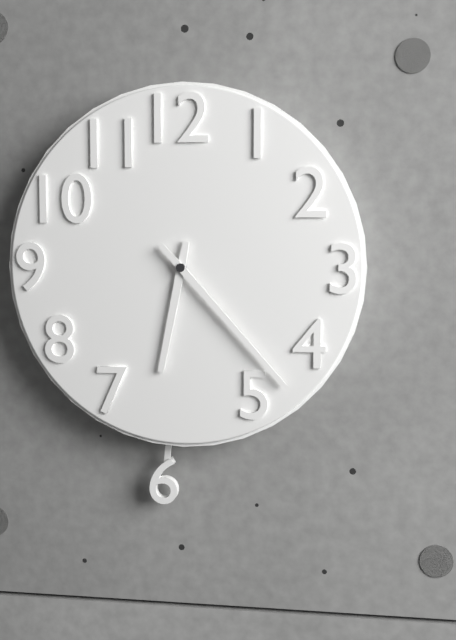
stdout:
6:23
